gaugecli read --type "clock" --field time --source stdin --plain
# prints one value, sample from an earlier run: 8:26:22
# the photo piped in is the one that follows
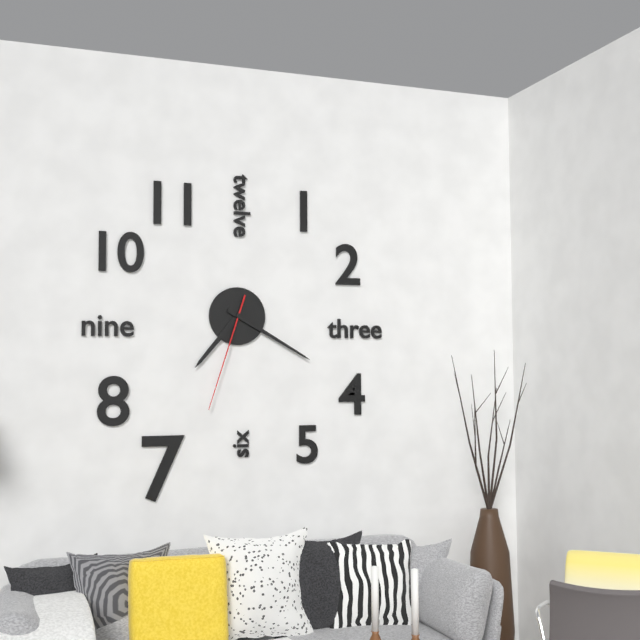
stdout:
7:20:33
